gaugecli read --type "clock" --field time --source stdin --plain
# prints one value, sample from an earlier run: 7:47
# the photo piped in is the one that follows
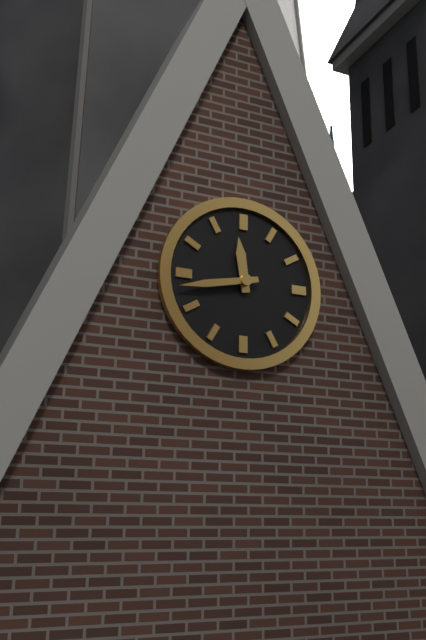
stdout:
11:43
